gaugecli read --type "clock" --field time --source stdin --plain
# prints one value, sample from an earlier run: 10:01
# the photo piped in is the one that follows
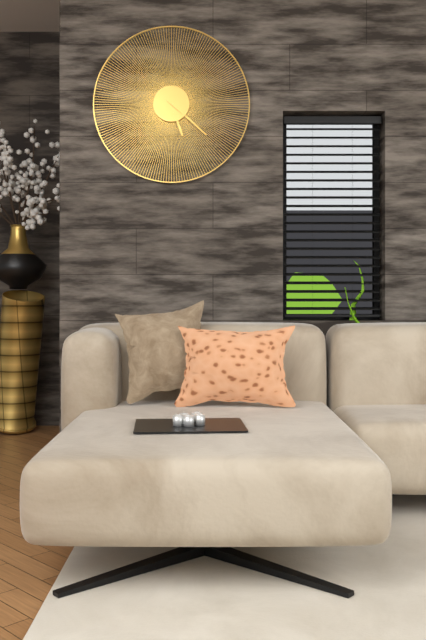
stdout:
5:22
